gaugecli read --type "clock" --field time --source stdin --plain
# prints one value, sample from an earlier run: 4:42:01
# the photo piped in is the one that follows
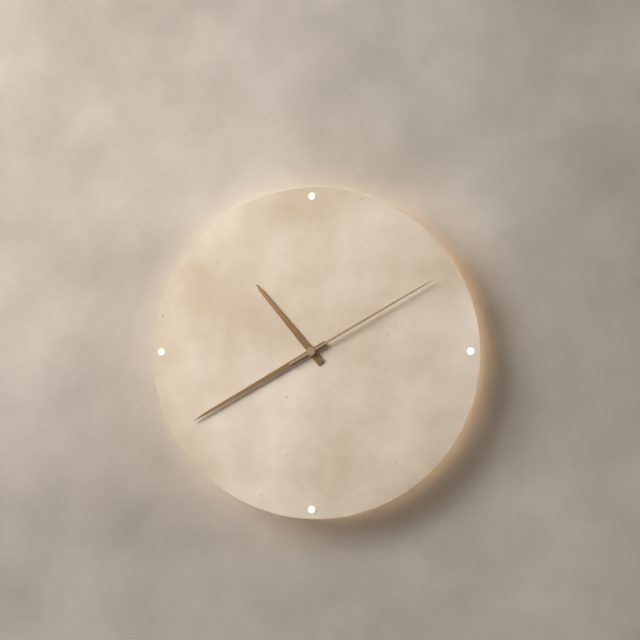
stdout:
10:40:10
